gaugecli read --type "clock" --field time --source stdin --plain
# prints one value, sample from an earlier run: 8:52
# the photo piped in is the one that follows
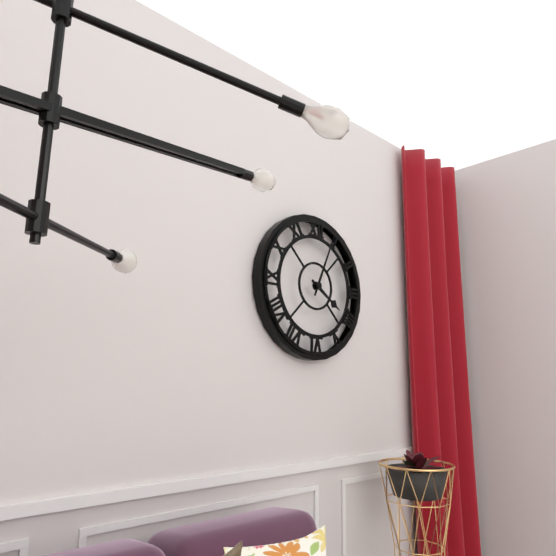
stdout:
4:04
